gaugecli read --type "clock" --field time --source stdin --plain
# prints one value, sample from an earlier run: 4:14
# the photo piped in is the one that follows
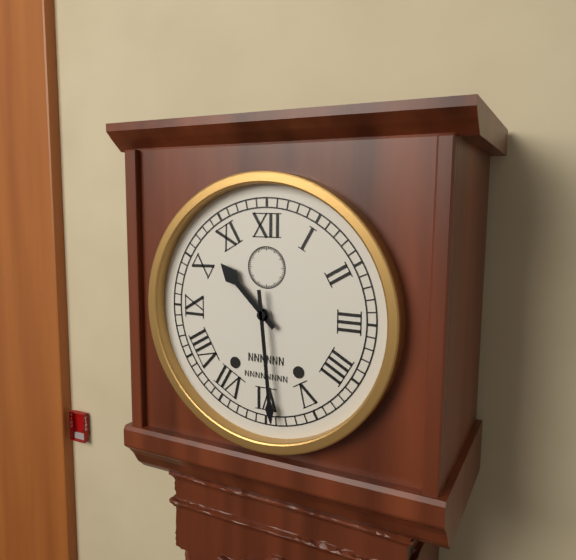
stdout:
10:29
